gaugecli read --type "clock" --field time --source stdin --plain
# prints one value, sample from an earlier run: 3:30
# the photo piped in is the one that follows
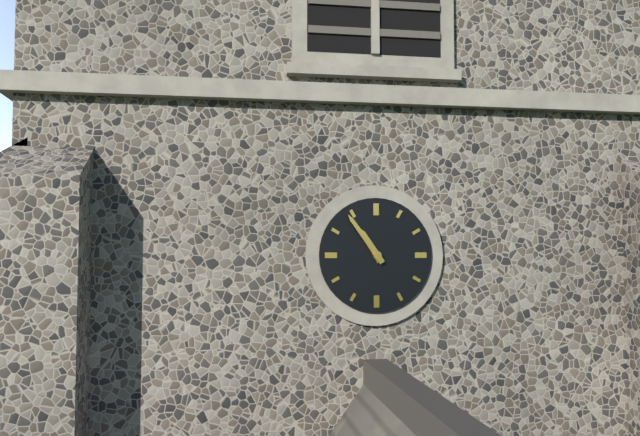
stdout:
10:54
